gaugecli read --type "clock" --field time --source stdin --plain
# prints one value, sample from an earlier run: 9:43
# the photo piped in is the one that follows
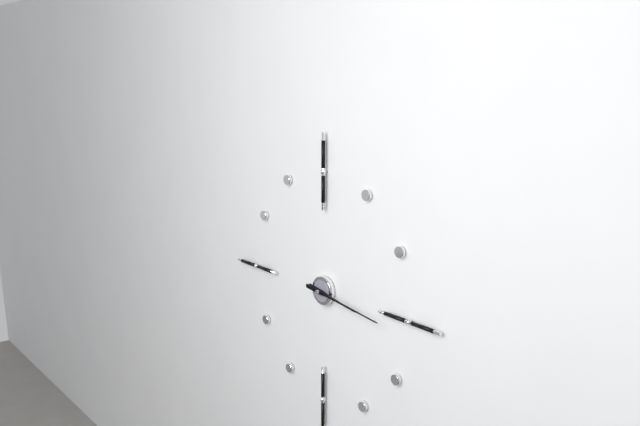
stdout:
3:16
